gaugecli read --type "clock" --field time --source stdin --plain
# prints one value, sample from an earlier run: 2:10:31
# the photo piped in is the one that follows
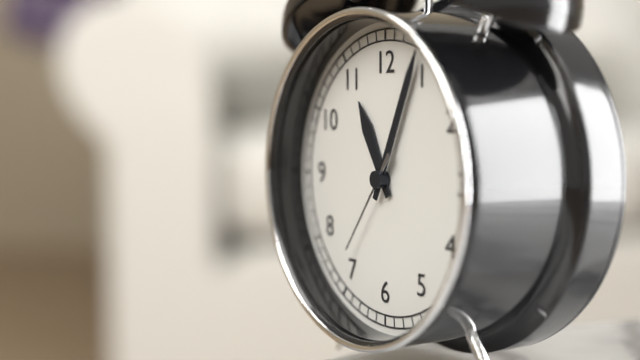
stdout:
11:04:36
